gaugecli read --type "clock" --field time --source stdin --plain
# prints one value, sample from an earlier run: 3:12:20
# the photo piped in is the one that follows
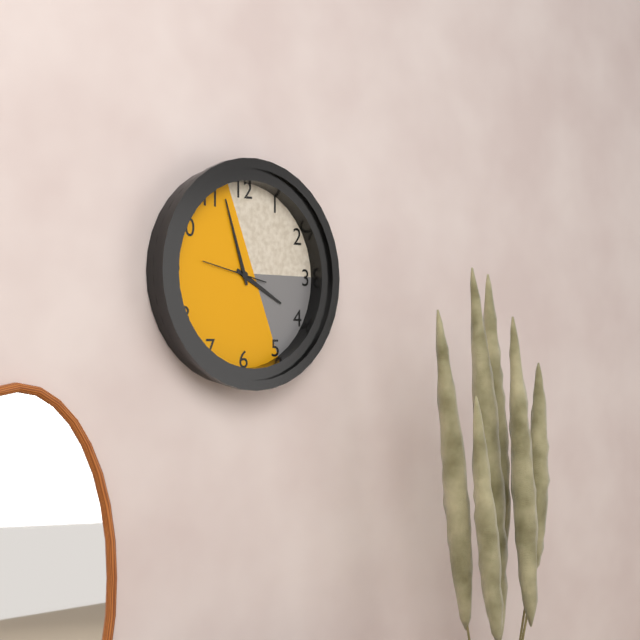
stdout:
3:57:47
